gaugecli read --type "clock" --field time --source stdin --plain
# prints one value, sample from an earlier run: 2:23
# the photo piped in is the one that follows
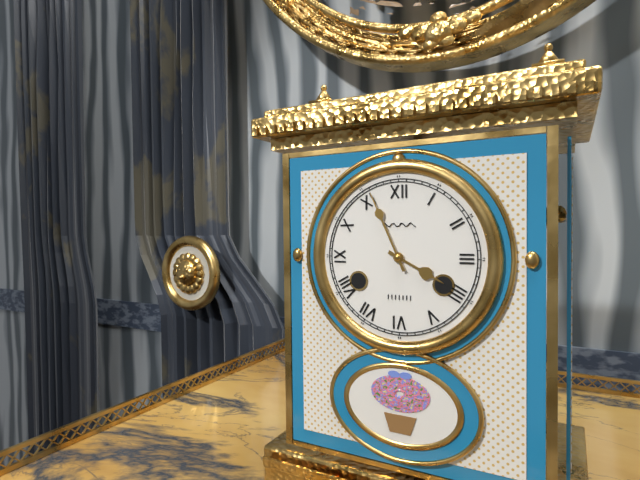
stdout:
3:56
